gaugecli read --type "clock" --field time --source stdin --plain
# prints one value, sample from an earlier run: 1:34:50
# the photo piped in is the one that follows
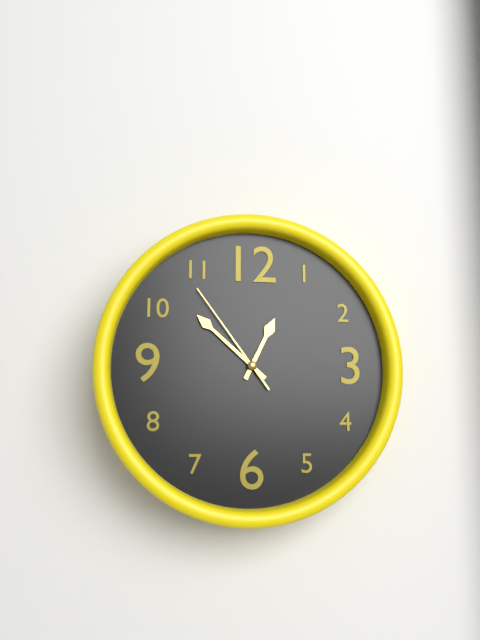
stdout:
12:52:54
